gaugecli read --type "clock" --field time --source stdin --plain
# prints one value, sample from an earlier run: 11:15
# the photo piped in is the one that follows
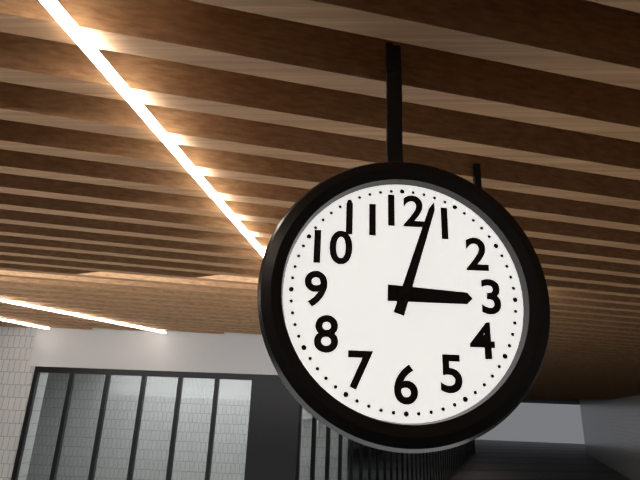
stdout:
3:03
